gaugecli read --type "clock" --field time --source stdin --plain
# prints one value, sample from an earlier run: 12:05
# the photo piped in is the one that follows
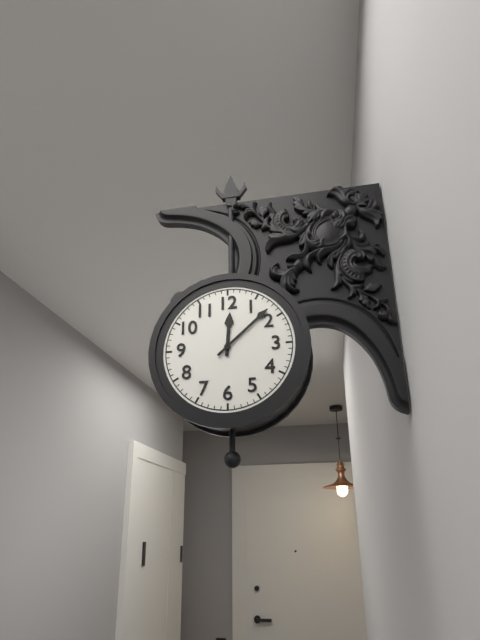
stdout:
12:08
